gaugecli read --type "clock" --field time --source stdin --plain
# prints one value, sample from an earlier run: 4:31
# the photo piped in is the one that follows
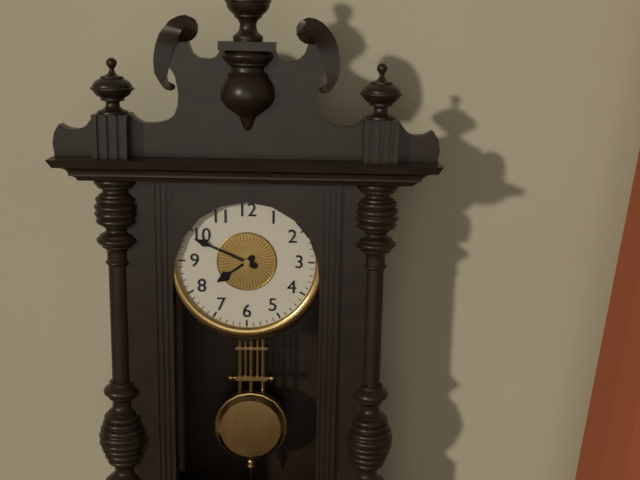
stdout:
7:49
